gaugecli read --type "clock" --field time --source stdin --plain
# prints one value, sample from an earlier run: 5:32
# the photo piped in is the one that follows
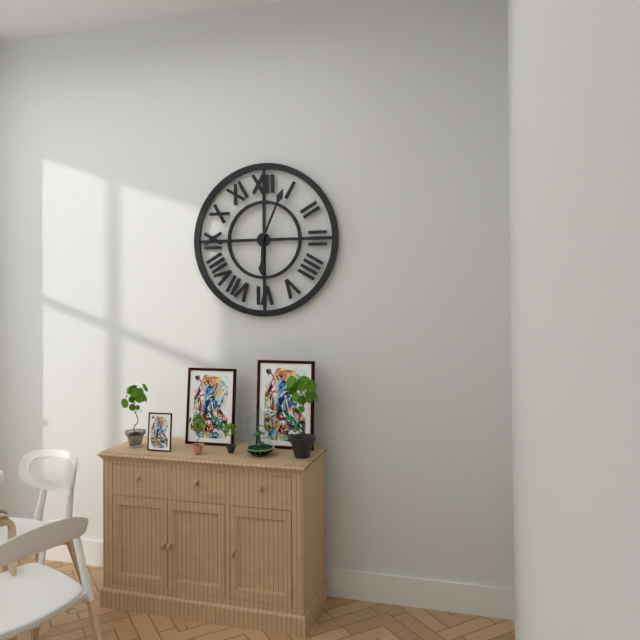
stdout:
6:04
